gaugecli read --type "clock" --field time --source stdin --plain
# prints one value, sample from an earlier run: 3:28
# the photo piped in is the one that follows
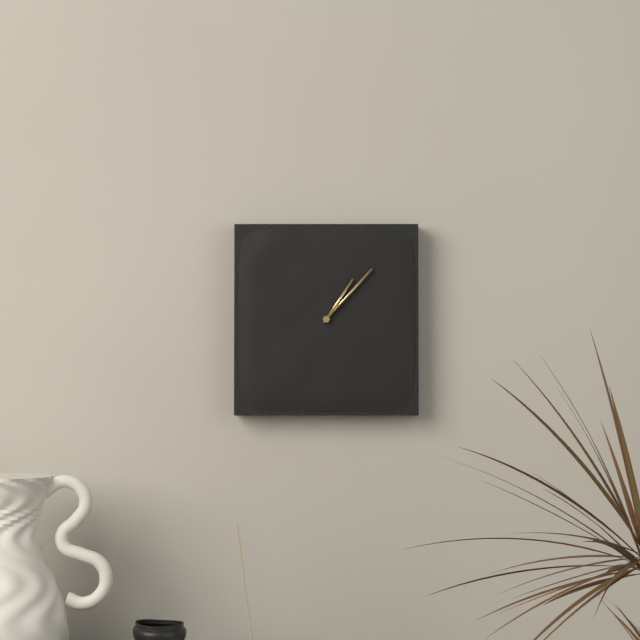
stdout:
1:07
